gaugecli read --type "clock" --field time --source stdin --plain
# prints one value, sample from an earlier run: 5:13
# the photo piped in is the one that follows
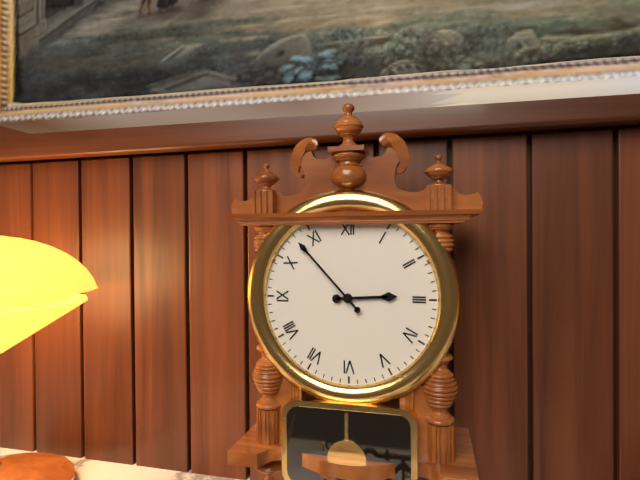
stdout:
2:53
